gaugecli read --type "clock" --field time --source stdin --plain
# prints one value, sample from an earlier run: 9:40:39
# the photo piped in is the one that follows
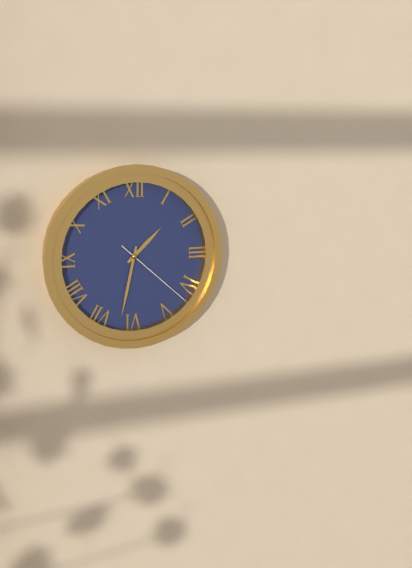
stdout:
1:32:22
